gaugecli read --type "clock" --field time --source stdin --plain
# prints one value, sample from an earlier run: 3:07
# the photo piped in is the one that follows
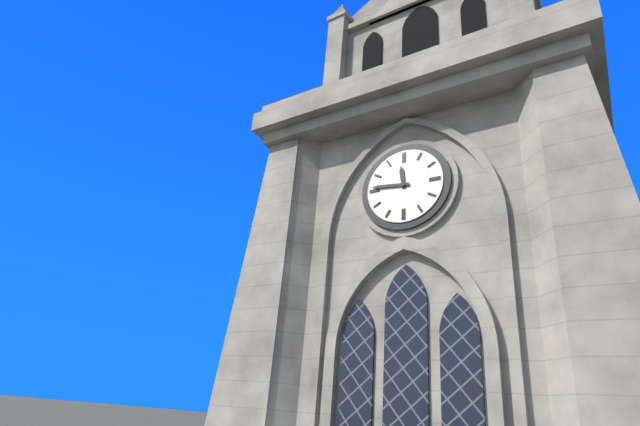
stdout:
11:46
